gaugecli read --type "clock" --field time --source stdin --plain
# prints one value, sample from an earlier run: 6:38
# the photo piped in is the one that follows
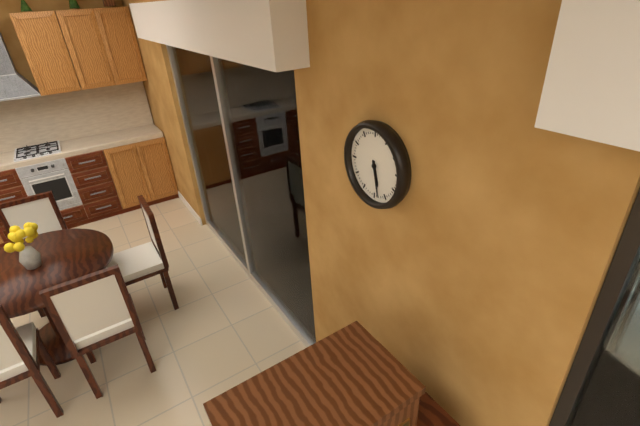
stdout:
5:28
